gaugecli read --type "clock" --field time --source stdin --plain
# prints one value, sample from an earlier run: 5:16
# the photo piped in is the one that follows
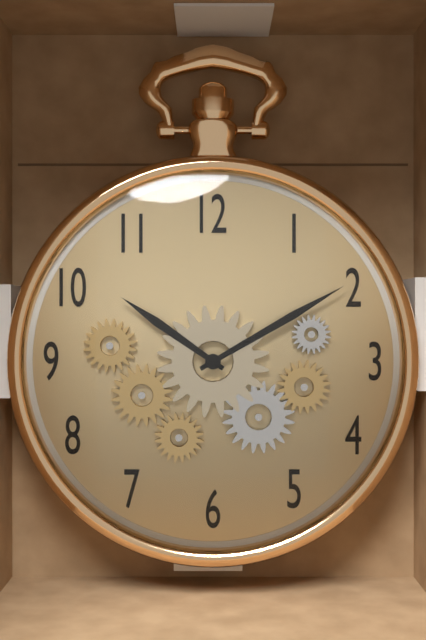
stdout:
10:10
